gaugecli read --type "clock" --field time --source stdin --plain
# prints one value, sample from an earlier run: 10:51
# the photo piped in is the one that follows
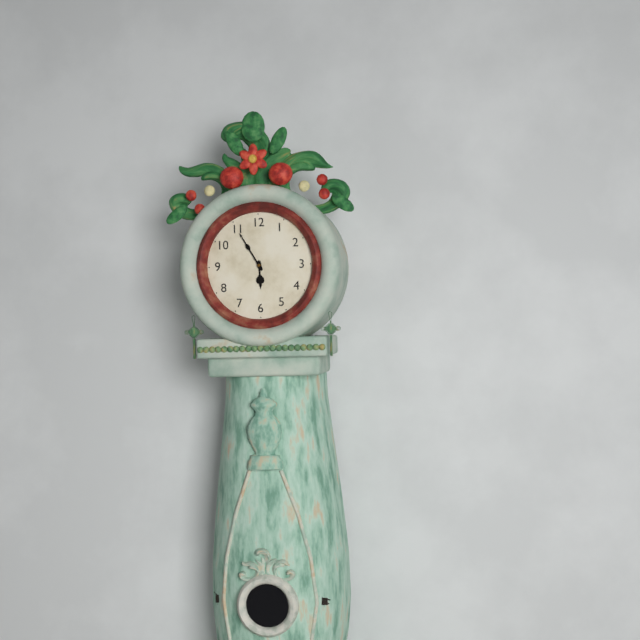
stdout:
5:55
